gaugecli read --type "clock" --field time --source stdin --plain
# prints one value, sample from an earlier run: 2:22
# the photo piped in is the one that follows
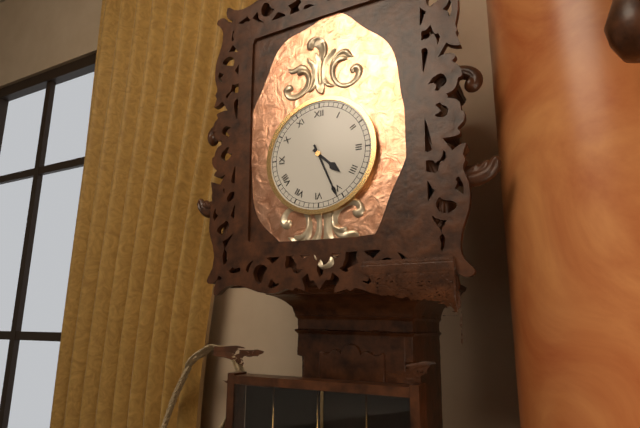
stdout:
4:26
